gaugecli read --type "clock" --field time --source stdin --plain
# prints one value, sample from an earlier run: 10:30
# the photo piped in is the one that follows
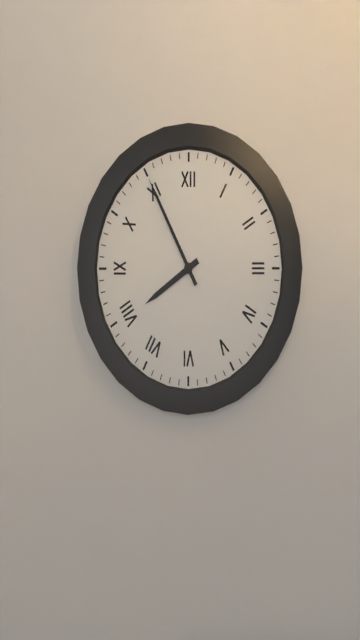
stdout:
7:55
